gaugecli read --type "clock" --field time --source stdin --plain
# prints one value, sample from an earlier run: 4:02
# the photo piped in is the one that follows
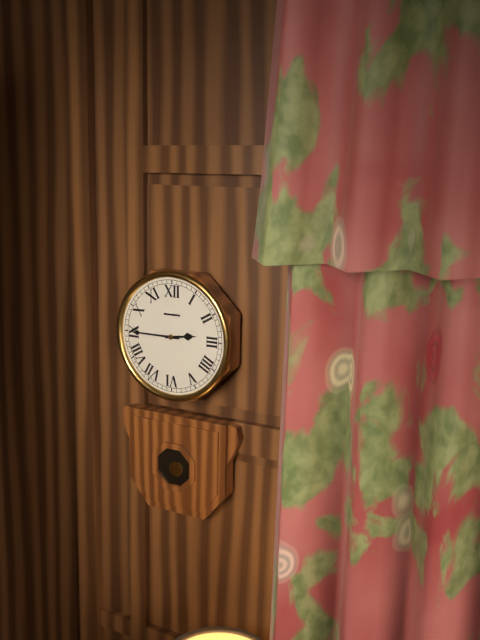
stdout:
2:45
